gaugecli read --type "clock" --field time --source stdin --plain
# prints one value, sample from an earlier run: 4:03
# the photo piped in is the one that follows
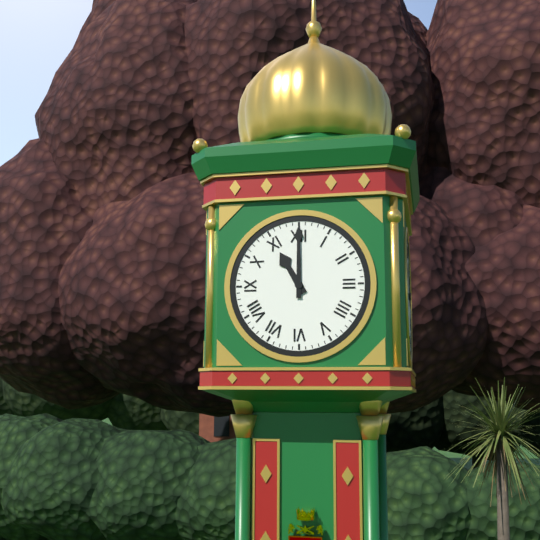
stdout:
11:00
